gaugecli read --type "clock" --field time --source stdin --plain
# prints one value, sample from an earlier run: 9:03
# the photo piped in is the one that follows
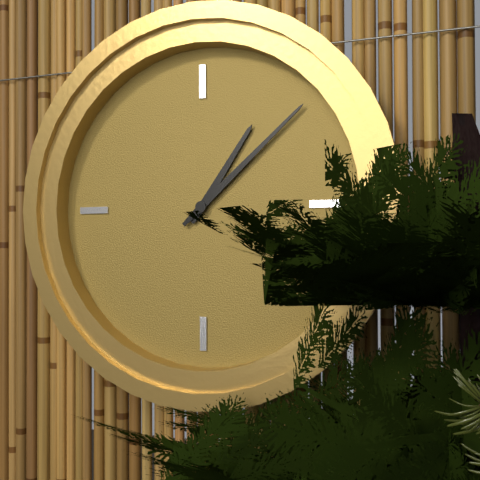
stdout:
1:08
